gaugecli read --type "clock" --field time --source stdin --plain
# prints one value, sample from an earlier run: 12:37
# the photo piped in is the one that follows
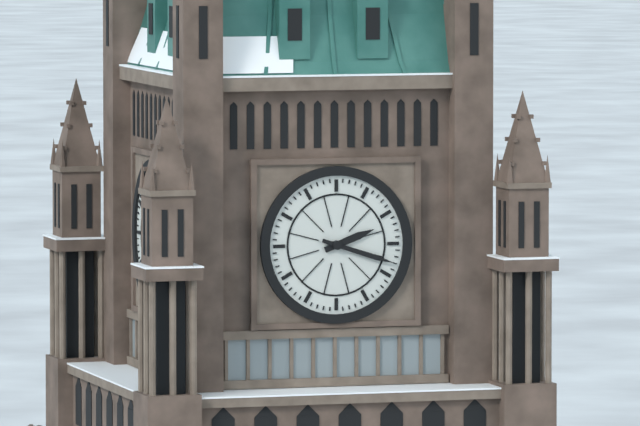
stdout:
2:18
